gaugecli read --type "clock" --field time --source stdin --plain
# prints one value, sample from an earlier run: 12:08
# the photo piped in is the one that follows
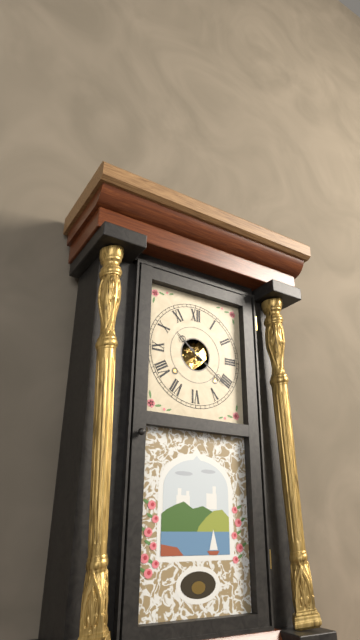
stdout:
10:21
